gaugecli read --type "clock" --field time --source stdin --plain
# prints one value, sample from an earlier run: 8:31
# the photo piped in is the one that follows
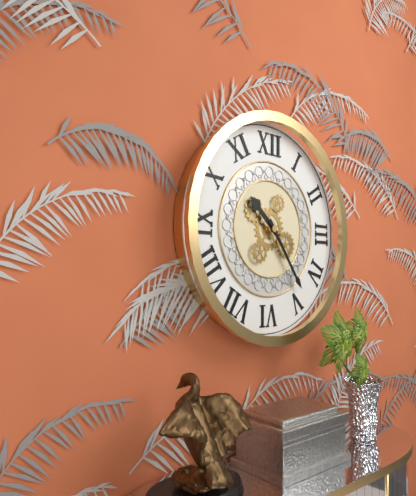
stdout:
10:24
